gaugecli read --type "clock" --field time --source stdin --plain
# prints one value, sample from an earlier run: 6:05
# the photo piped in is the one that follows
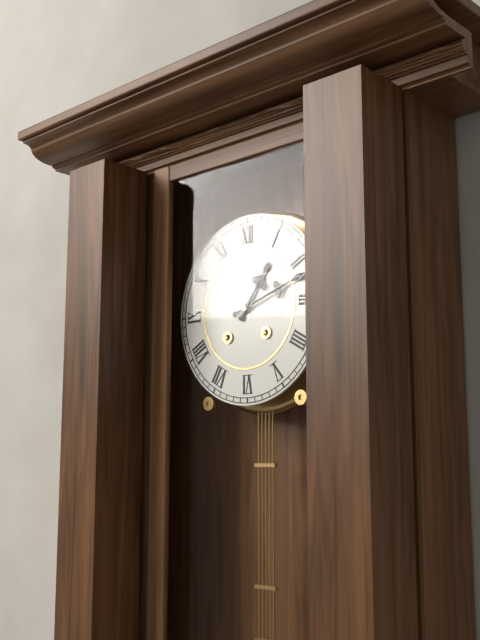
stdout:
1:12
